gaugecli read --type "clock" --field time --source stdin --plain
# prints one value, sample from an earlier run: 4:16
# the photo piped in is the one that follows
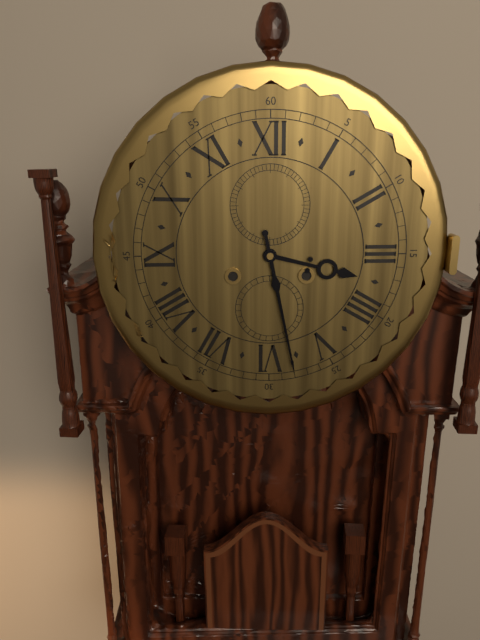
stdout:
3:28
